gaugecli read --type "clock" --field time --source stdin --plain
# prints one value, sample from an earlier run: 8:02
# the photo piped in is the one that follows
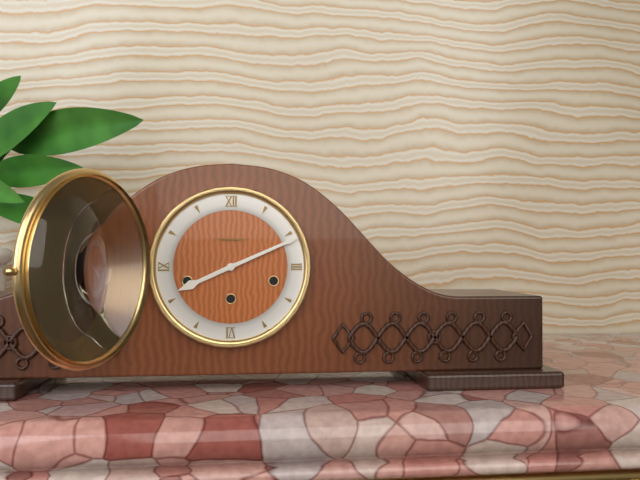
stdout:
8:11
